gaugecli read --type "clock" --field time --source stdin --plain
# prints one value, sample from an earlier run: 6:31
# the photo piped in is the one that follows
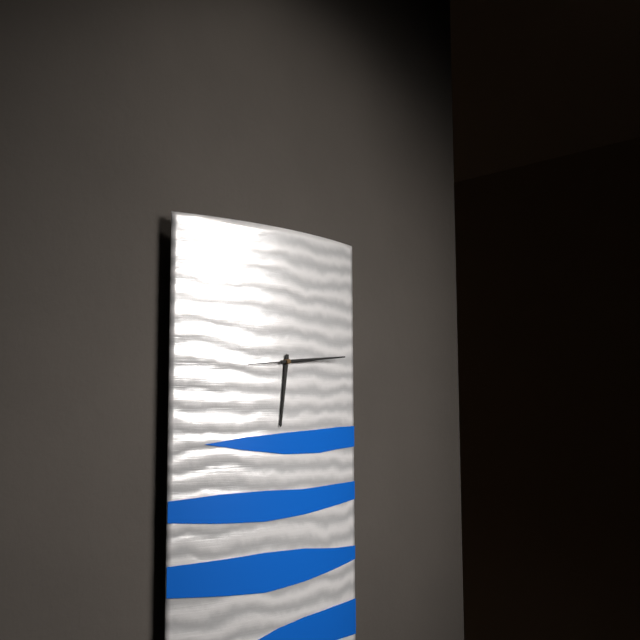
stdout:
6:14
